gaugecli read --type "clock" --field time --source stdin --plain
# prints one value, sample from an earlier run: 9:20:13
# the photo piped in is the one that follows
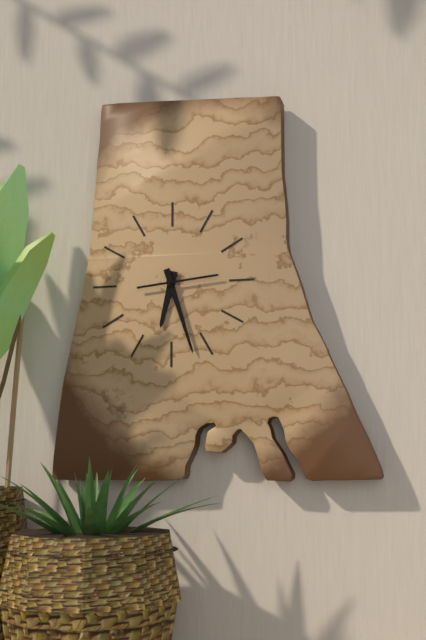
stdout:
6:27:14
